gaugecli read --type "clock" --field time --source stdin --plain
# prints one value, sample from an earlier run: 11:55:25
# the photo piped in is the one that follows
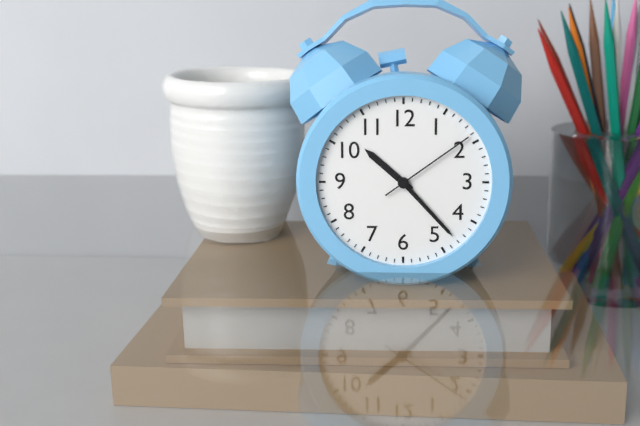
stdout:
10:23:09
